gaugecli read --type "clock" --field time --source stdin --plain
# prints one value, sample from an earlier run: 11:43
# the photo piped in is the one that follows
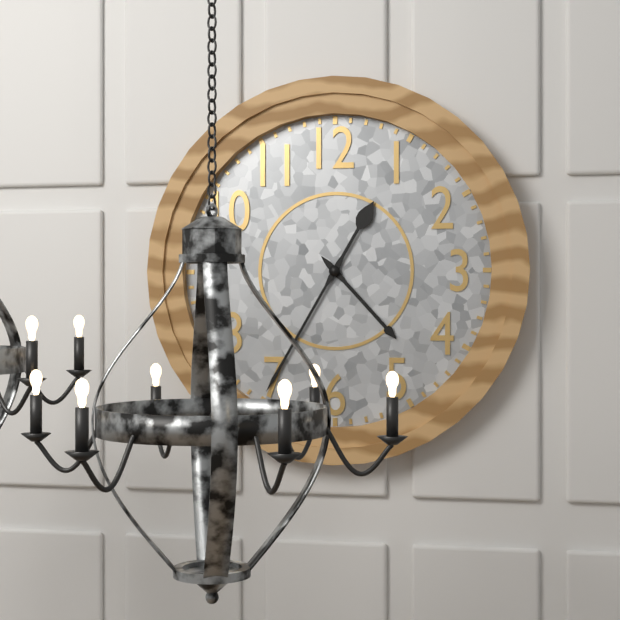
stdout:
4:35
